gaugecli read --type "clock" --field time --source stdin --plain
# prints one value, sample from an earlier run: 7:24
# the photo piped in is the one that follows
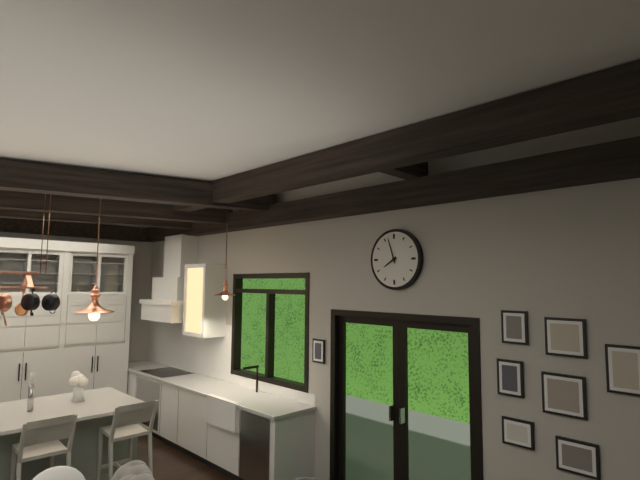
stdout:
7:57
